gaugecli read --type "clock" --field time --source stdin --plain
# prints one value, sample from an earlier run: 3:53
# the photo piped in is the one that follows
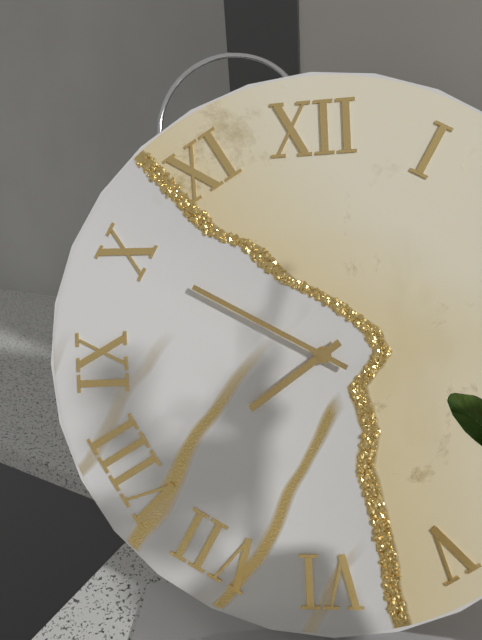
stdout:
7:50
